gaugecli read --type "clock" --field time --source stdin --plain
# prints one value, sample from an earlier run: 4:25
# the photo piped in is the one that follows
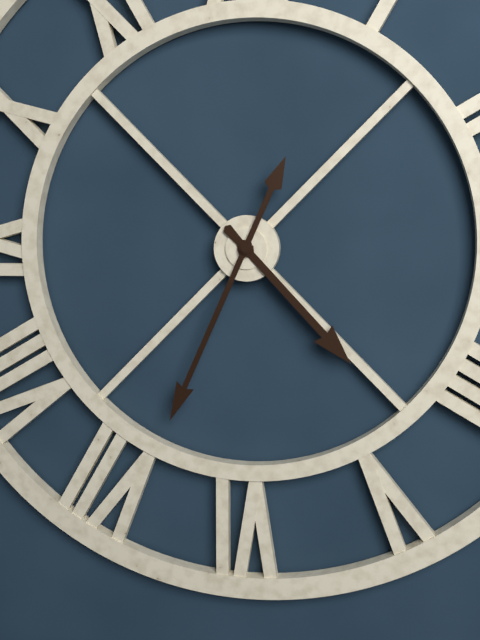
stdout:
4:34
